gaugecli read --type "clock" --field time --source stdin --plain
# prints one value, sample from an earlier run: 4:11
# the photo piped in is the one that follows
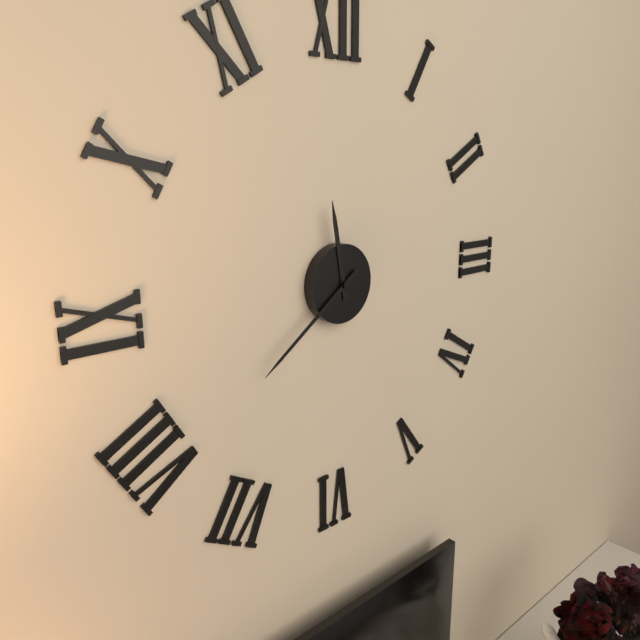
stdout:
11:39
